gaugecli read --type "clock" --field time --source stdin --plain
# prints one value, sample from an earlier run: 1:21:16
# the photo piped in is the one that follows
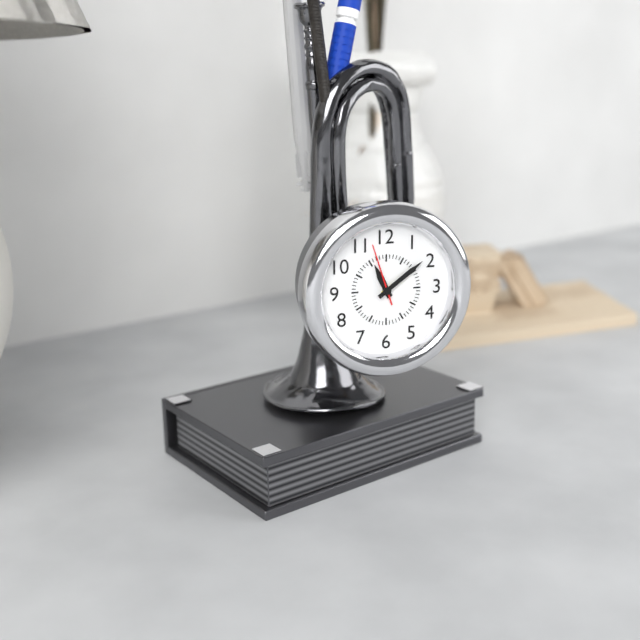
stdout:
11:09:57
